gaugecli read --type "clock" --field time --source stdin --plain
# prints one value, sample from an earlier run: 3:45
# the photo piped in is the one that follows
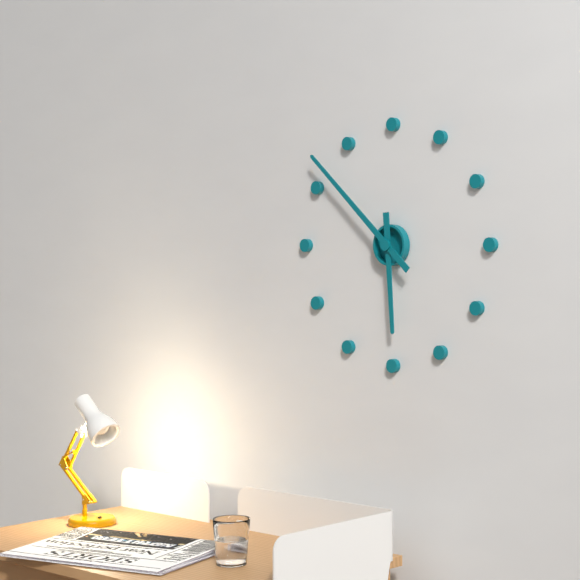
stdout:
5:52
